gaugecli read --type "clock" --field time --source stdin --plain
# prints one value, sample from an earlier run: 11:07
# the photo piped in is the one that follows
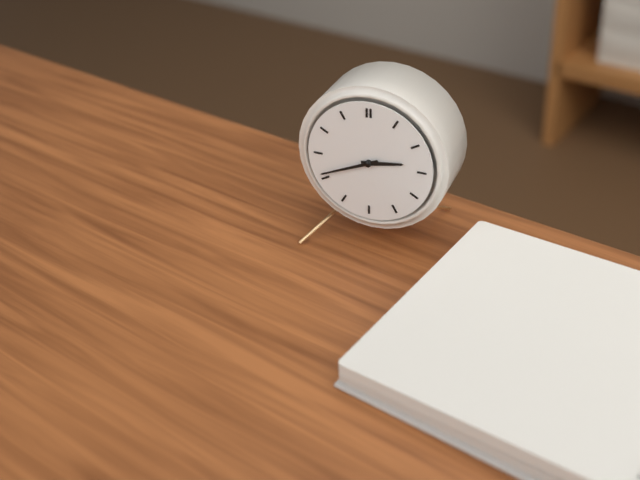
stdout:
2:41
